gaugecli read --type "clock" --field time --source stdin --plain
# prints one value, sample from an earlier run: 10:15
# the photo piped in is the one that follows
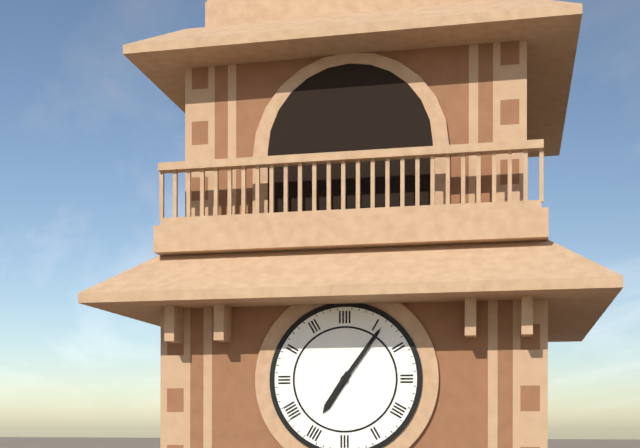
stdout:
7:06
